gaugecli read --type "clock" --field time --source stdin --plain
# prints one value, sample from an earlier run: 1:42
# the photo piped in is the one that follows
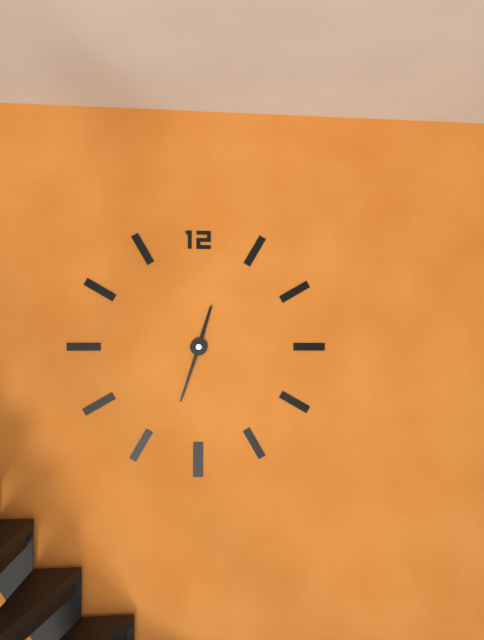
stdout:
12:33
